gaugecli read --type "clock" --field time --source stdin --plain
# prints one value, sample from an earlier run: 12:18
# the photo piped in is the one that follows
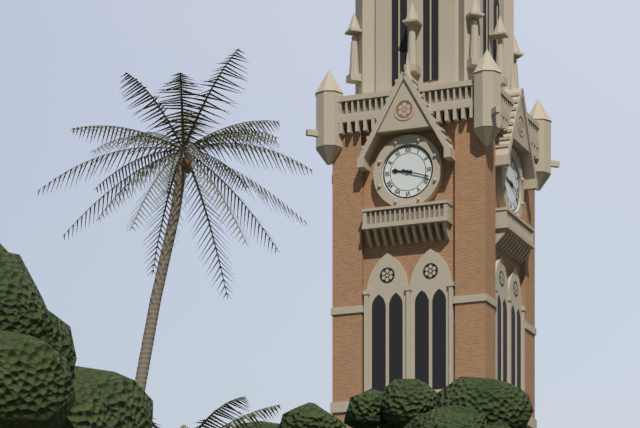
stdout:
9:18
